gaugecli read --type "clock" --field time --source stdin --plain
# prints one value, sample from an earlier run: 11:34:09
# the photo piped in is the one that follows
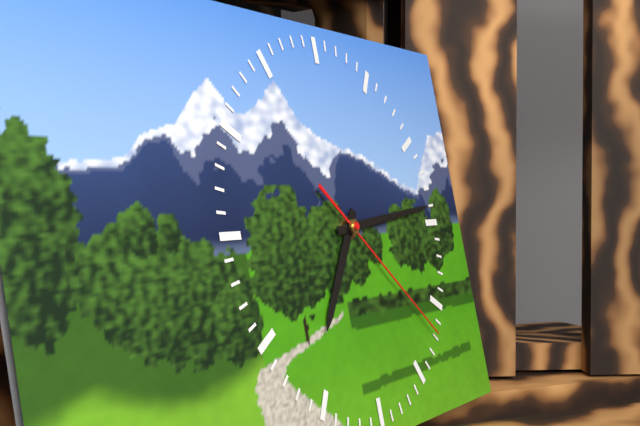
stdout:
7:14:22
